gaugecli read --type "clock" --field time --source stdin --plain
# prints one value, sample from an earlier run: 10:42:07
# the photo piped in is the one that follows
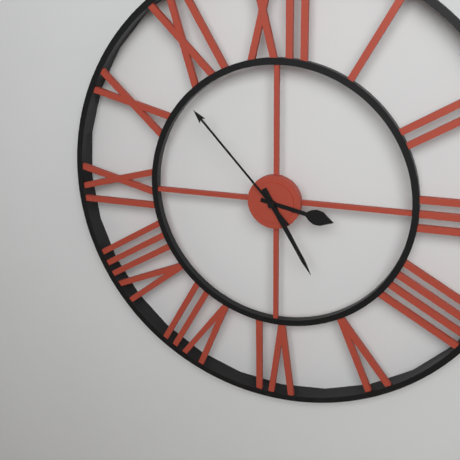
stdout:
3:25:53
